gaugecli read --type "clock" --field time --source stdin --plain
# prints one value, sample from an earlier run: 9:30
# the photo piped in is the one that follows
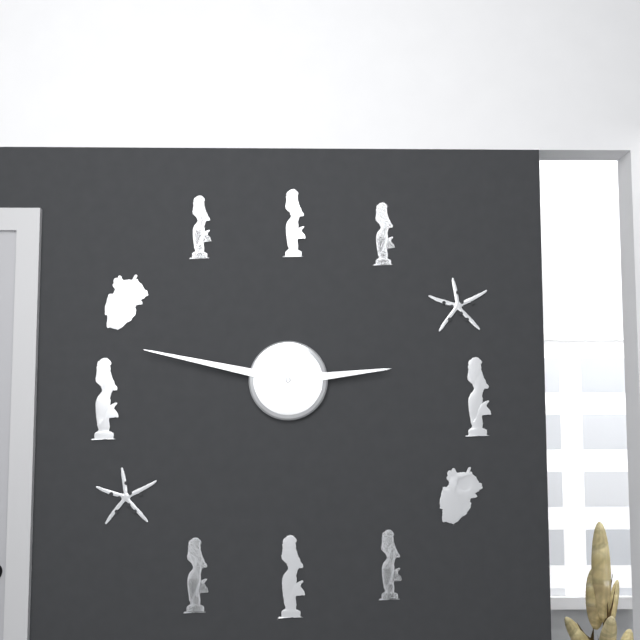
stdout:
2:47
